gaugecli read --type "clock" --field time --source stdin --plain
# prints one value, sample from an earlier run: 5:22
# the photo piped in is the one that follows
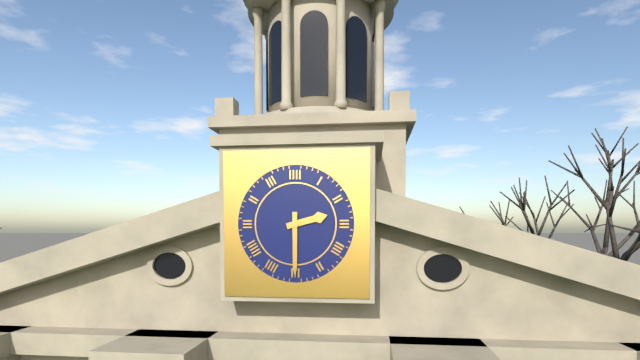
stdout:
2:30
